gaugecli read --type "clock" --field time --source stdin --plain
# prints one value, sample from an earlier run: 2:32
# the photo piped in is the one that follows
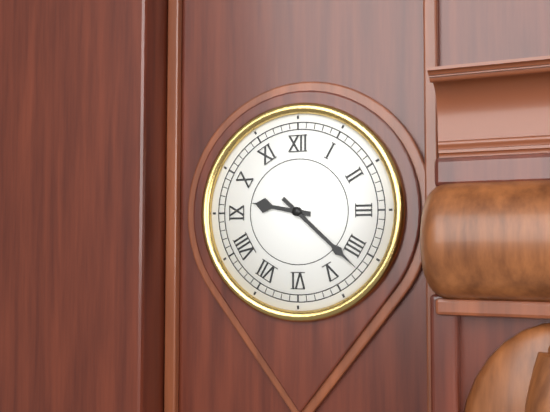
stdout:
9:22
